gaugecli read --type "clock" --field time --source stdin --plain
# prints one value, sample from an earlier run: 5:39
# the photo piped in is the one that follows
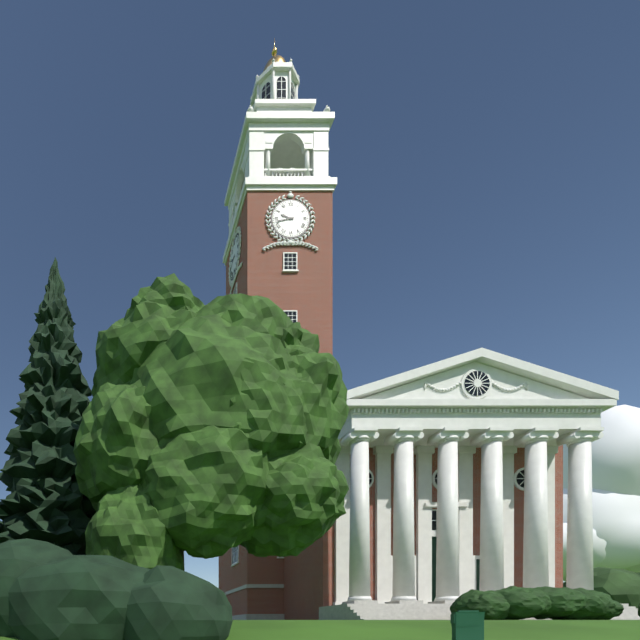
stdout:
9:43
